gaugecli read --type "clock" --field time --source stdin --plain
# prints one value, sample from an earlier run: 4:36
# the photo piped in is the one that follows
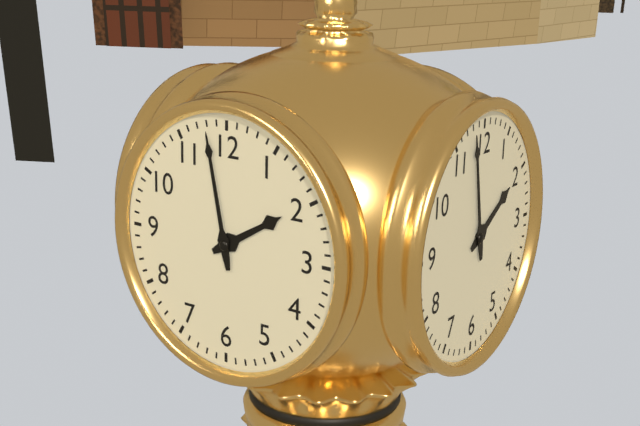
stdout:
1:58
